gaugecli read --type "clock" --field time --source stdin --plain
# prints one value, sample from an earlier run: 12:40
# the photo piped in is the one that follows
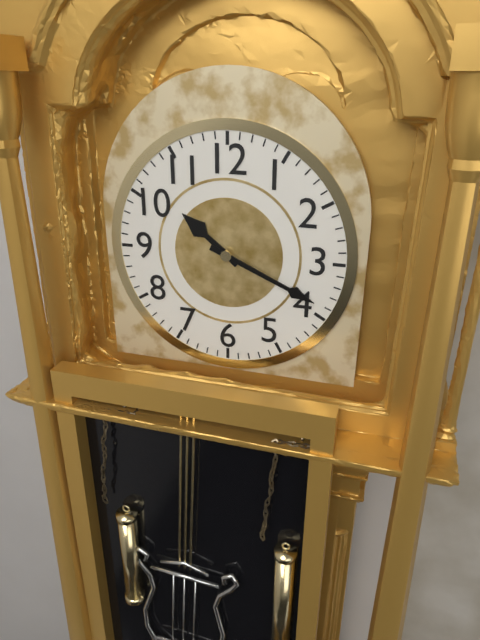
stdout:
10:19
